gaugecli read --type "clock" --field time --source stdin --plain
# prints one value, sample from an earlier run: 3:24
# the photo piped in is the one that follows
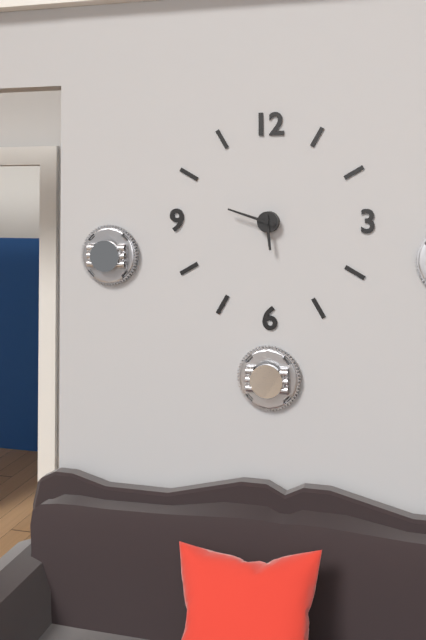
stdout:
5:48
